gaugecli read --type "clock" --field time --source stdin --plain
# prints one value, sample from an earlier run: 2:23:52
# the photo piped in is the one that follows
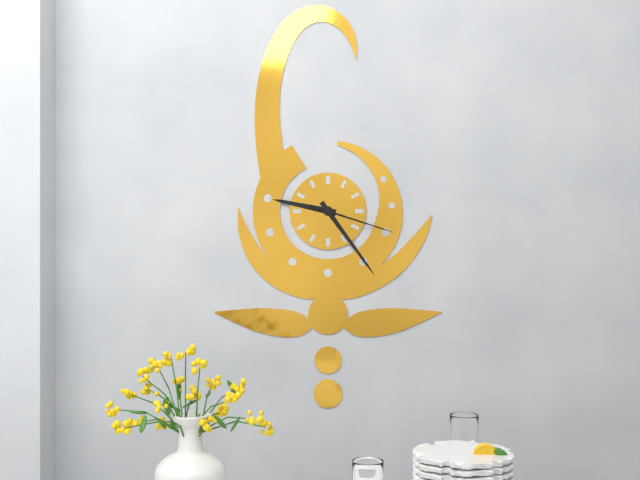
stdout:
9:24:18
